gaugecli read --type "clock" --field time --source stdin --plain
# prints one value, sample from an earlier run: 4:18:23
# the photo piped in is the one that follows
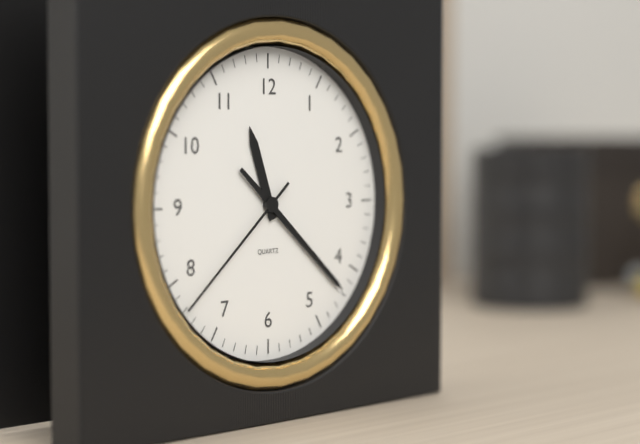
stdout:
11:22:38
